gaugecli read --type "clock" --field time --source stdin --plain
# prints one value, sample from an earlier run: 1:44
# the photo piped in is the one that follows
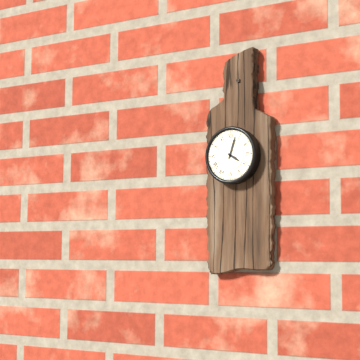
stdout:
4:03
